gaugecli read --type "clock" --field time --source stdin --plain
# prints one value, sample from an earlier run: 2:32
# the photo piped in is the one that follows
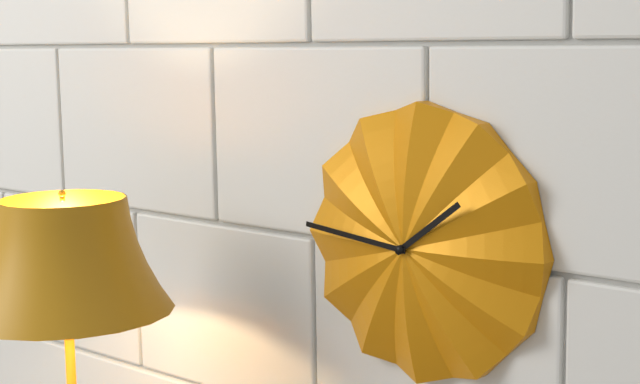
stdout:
1:46
